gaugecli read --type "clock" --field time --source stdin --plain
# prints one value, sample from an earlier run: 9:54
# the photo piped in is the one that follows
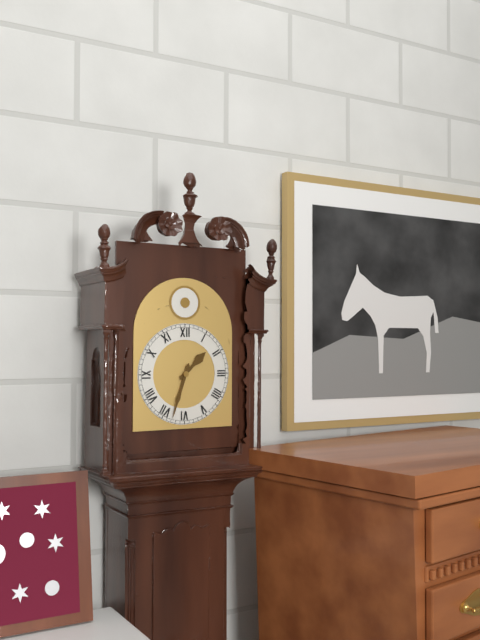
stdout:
1:33
